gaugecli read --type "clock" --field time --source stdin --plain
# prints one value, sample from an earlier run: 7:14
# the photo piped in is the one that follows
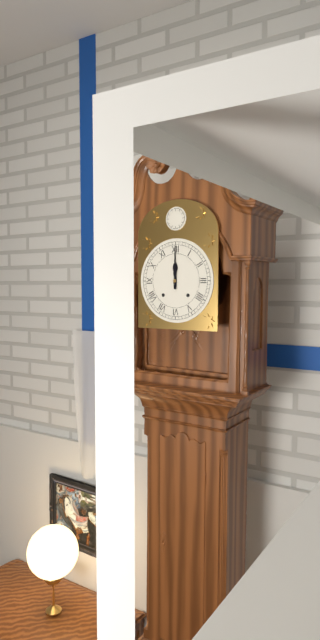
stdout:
12:00
